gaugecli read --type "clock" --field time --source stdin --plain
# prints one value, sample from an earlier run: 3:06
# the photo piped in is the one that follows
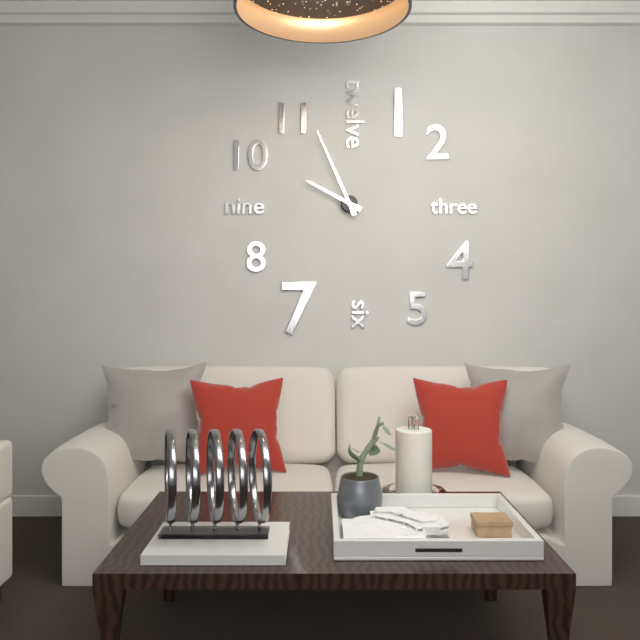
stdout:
9:56
